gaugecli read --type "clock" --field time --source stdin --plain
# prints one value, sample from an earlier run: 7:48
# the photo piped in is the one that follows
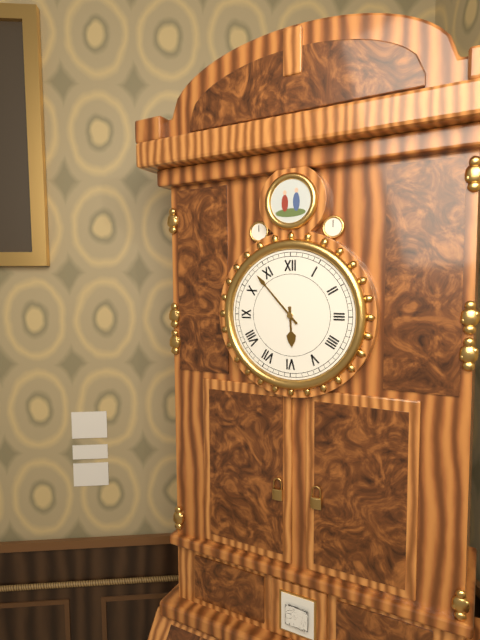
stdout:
5:53
